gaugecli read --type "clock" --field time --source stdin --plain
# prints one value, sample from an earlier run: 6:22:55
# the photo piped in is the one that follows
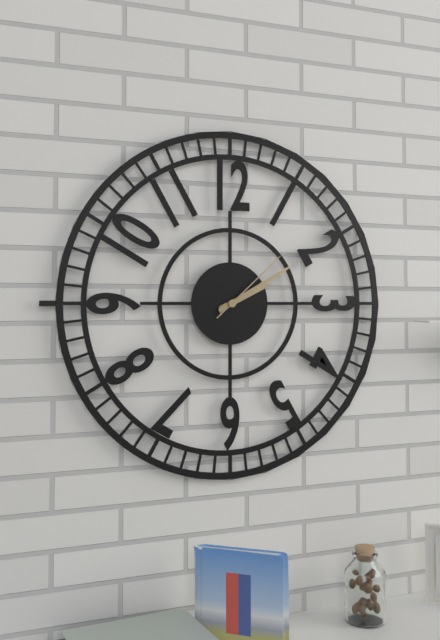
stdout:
2:10:08
